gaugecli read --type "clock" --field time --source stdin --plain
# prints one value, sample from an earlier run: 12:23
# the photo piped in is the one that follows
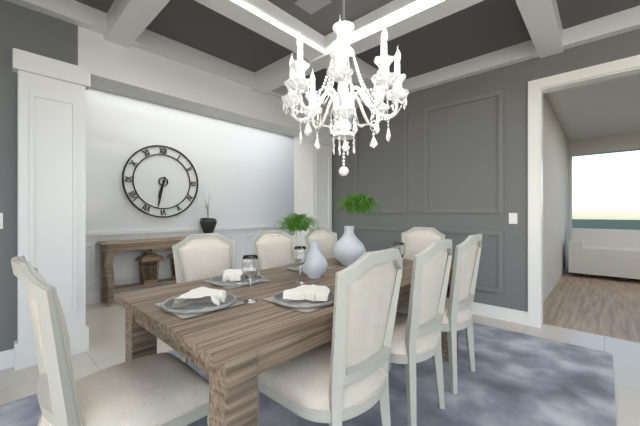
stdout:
6:32
